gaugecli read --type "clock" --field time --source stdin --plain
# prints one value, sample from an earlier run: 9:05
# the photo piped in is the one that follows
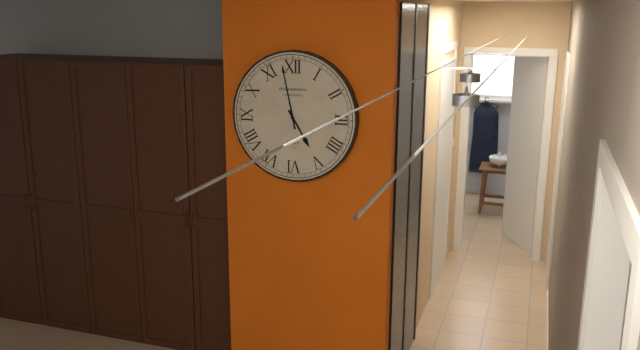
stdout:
4:58
